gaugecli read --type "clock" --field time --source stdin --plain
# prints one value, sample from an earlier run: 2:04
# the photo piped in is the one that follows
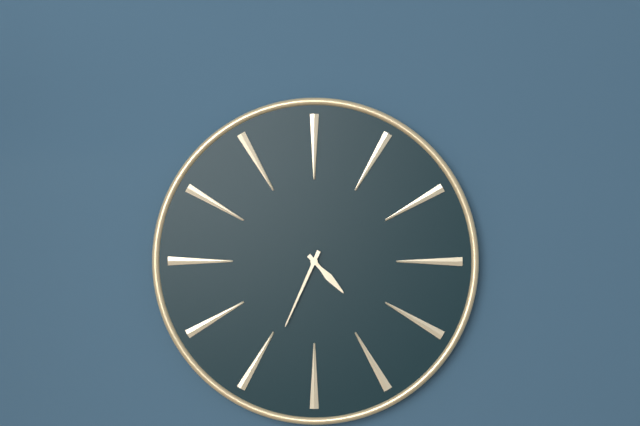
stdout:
4:34
